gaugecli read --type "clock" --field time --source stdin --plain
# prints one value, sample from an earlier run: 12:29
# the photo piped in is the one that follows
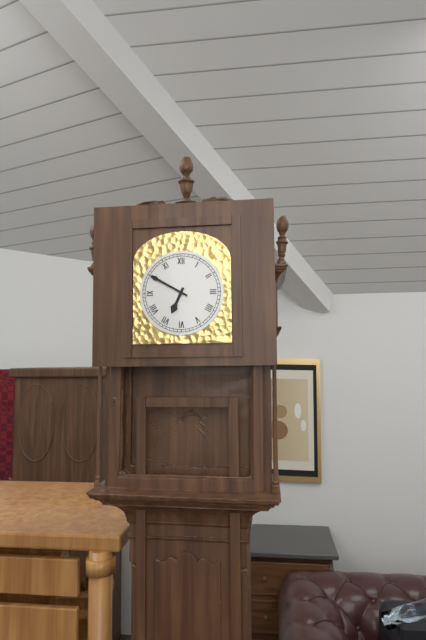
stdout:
6:50
